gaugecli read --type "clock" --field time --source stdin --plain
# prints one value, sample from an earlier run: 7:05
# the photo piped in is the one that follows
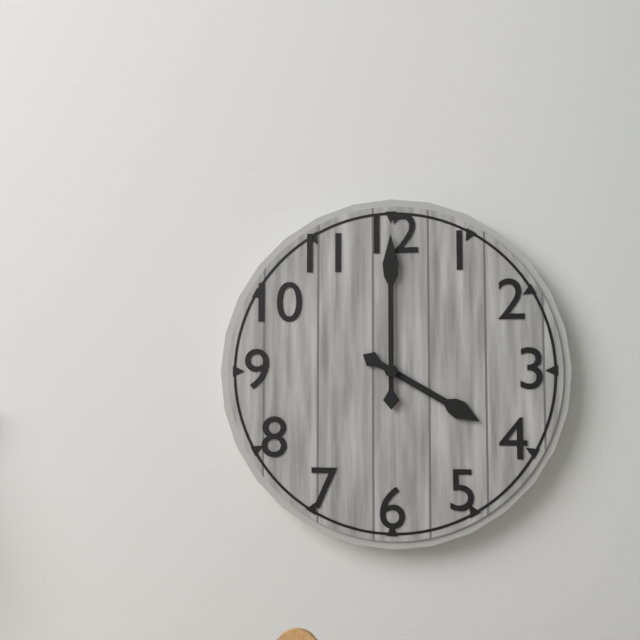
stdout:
4:00
